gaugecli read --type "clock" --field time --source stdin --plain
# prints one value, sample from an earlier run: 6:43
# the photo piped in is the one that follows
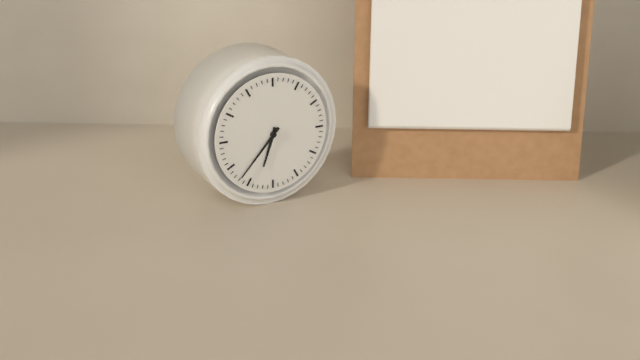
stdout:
6:37
